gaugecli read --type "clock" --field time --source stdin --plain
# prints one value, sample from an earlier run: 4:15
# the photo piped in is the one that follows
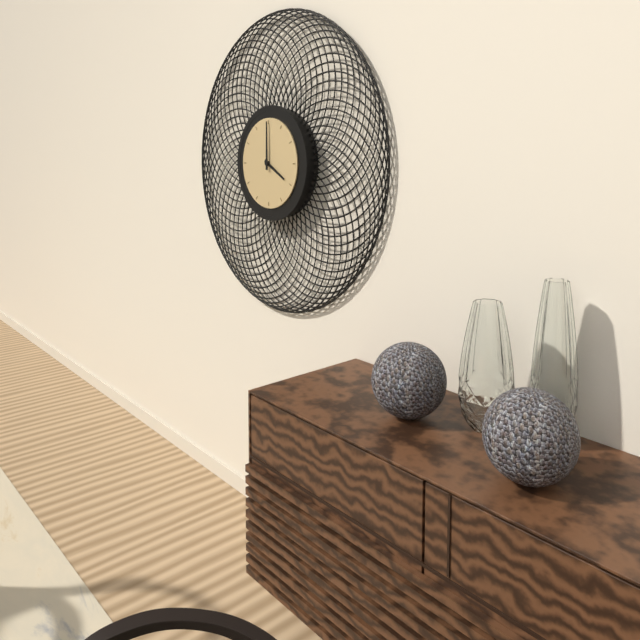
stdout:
4:00
